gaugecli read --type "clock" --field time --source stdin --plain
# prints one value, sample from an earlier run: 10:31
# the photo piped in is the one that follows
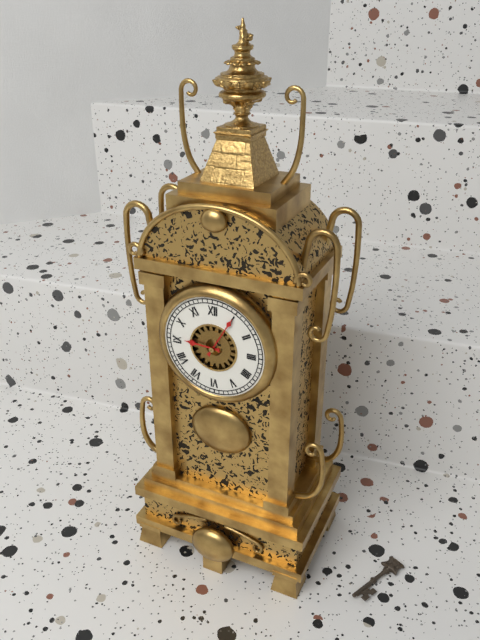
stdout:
9:05
